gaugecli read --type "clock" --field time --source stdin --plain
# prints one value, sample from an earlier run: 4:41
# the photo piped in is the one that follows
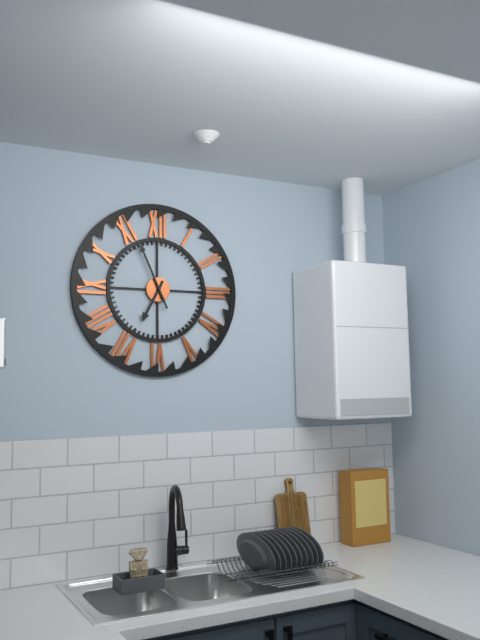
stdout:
6:56
